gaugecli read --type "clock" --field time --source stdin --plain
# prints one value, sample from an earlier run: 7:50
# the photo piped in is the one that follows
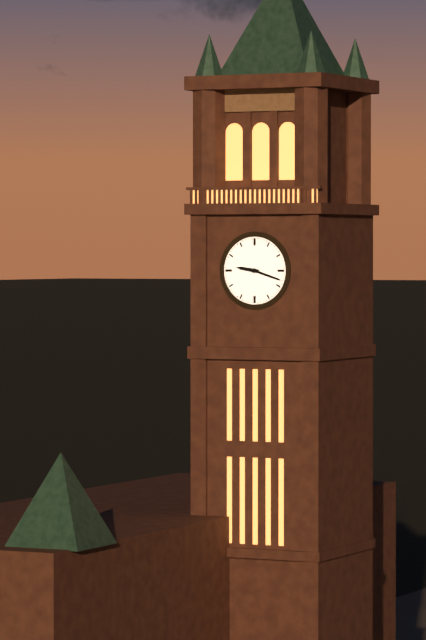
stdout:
9:18
